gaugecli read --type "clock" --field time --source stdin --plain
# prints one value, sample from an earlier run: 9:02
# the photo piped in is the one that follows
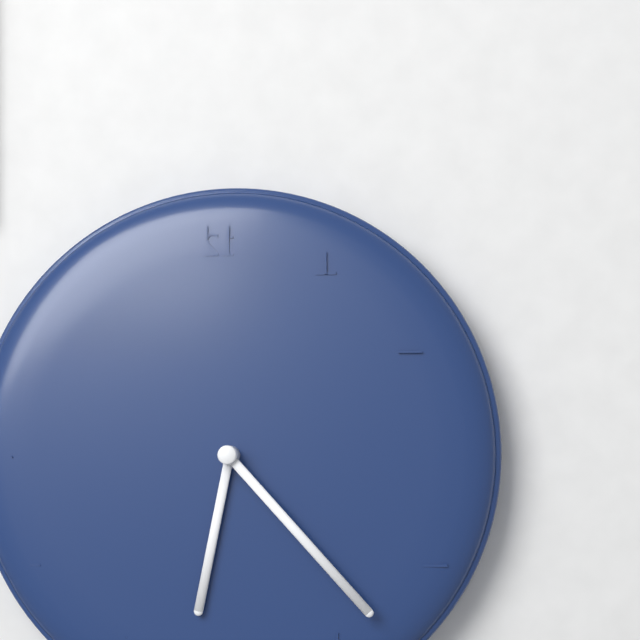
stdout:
6:23
